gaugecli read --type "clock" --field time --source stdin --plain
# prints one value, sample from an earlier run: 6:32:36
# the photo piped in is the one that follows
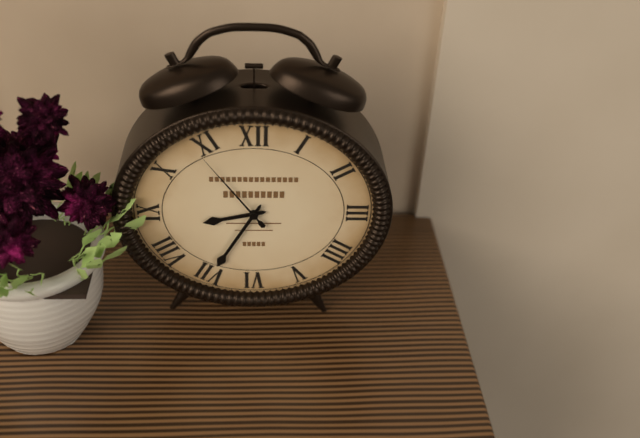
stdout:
8:35:54
